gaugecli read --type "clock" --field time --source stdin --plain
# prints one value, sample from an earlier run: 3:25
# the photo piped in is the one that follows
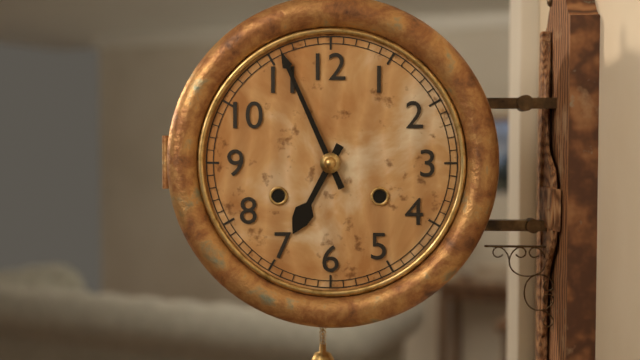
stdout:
6:56
